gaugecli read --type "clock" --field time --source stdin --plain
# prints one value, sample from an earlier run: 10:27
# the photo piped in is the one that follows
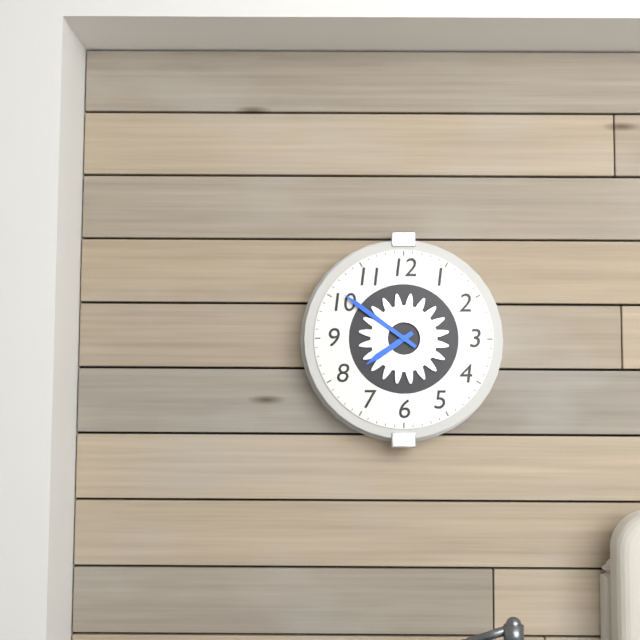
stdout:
7:51
